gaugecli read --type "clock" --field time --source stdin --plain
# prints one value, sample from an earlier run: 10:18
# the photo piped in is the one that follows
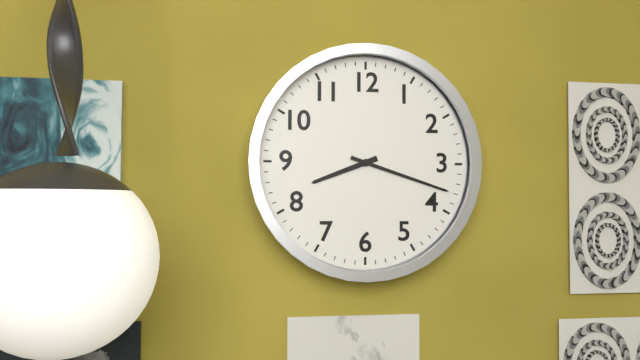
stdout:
8:18
